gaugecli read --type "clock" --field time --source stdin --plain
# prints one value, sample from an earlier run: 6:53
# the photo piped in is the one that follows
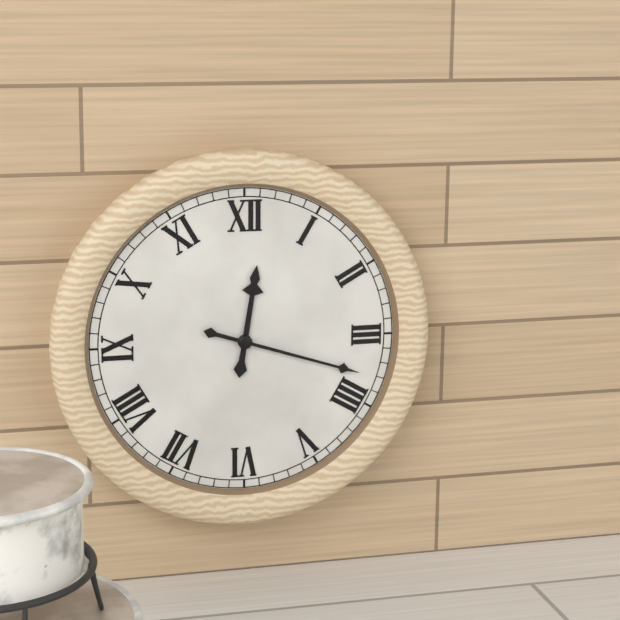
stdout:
12:18
